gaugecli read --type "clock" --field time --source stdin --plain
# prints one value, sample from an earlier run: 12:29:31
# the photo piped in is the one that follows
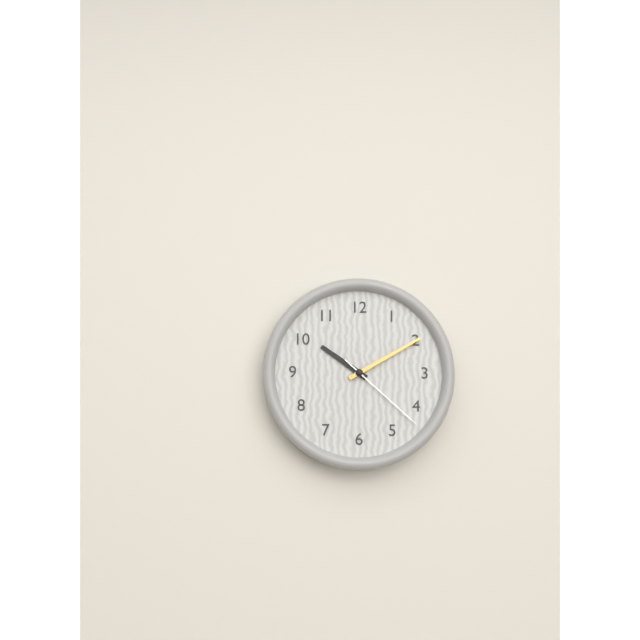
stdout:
10:10:22
